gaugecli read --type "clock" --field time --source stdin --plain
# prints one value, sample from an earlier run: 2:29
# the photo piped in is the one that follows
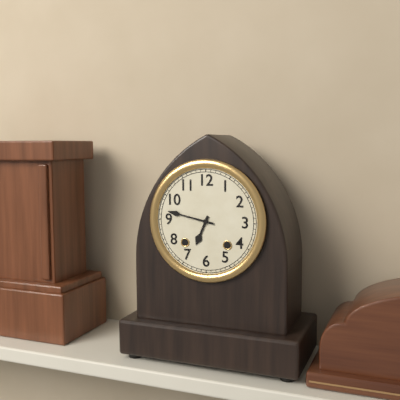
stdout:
6:47
